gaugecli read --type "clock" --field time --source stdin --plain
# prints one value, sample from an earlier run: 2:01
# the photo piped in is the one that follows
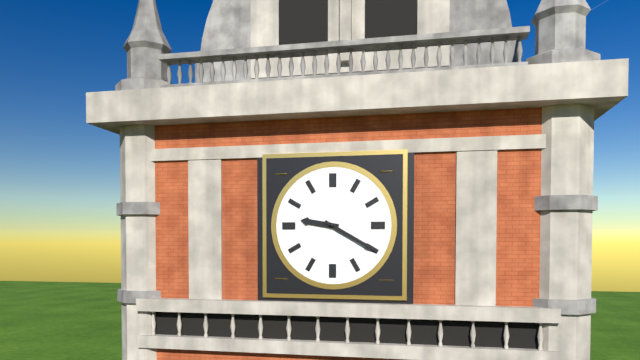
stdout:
9:20
